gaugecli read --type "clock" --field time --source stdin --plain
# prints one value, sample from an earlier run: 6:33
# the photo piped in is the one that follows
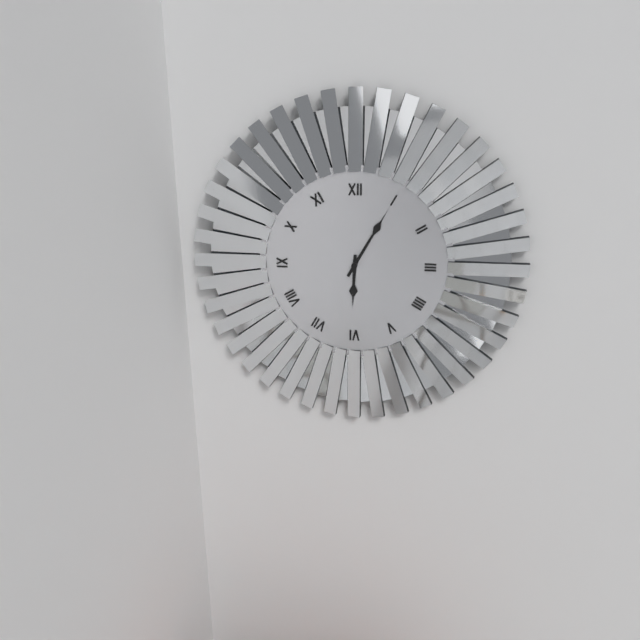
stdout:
6:05
